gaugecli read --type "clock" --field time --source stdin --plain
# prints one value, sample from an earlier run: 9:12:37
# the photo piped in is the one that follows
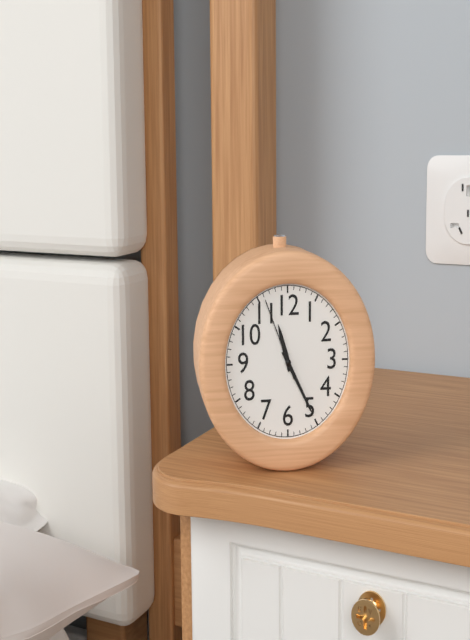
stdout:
11:25:56
